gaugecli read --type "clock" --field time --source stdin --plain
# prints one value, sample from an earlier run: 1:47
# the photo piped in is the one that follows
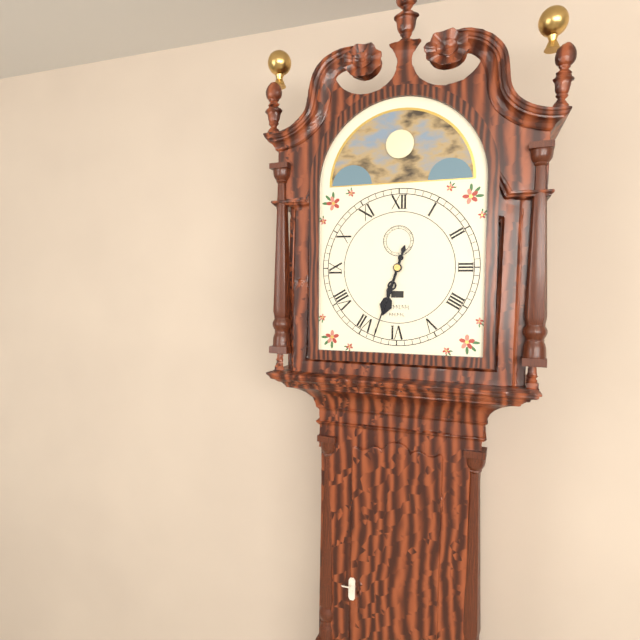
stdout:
6:33
